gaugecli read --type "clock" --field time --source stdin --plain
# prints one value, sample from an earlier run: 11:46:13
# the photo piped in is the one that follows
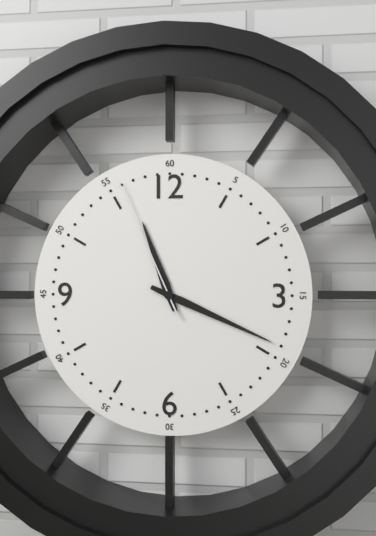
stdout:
11:19:56
